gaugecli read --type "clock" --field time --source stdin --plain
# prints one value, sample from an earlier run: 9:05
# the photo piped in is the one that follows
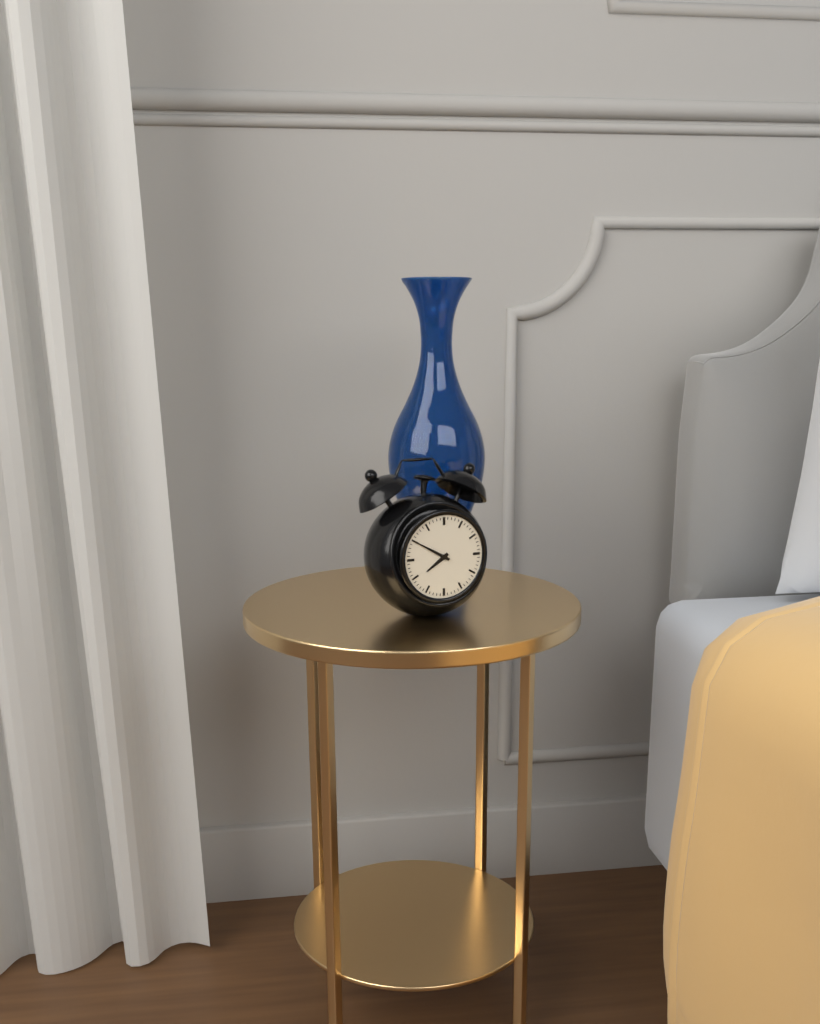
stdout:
7:50
